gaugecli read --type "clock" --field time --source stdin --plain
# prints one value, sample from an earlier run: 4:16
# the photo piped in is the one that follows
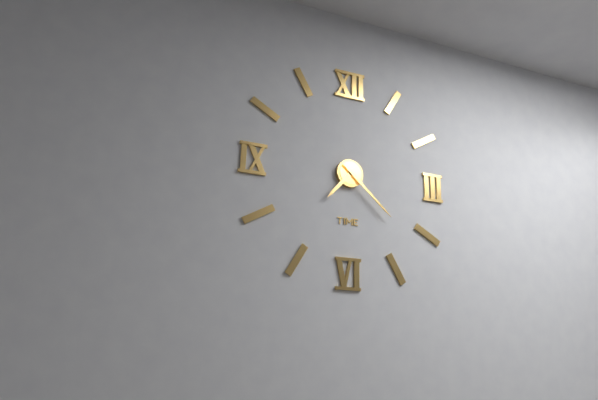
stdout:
7:22
